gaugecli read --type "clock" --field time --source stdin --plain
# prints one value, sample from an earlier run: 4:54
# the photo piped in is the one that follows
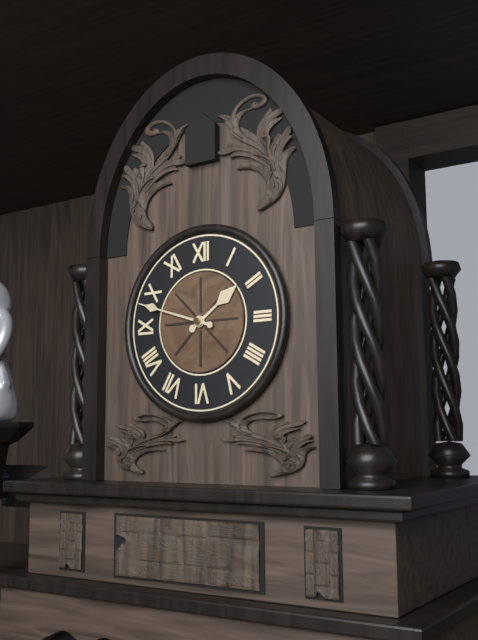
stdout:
1:48
